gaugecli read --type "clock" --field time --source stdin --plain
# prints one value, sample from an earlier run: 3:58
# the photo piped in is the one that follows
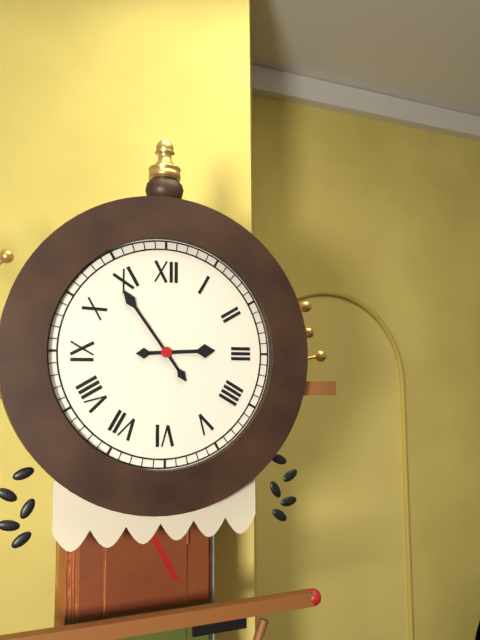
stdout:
2:54
